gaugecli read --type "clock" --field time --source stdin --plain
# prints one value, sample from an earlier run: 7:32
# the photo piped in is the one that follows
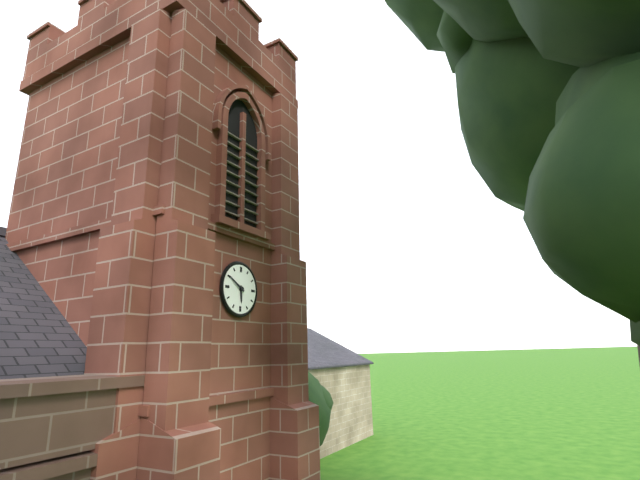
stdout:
5:50
